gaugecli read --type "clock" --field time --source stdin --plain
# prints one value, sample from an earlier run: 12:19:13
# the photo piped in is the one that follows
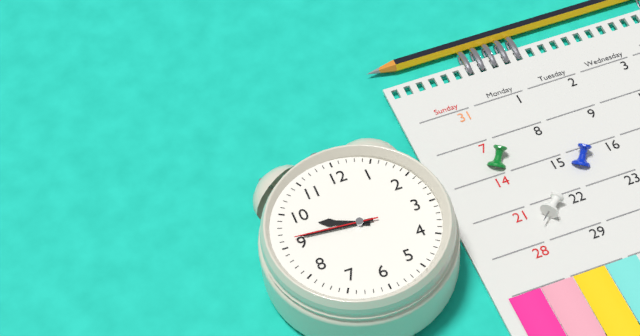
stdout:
9:46:46
